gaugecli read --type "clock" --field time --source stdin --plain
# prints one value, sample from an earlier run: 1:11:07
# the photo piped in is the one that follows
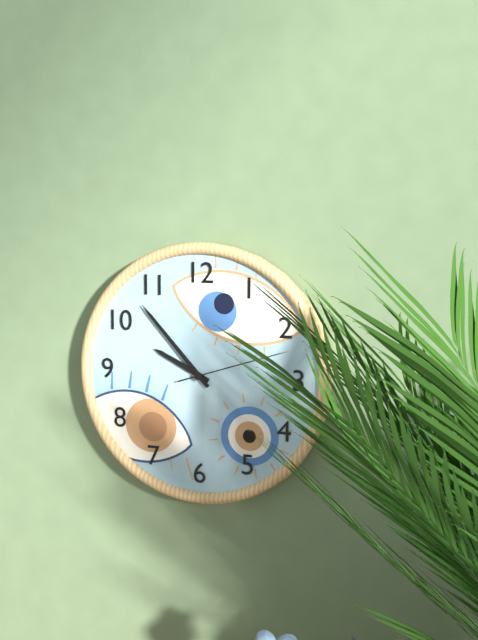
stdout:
9:53:12
